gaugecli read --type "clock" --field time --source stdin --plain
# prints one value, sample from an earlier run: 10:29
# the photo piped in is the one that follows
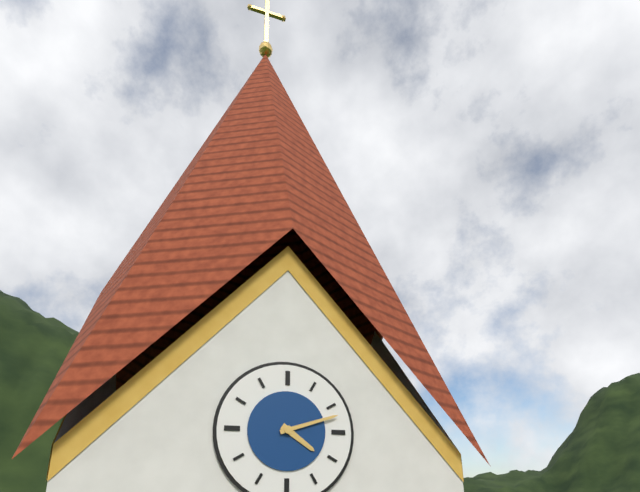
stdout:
4:12
